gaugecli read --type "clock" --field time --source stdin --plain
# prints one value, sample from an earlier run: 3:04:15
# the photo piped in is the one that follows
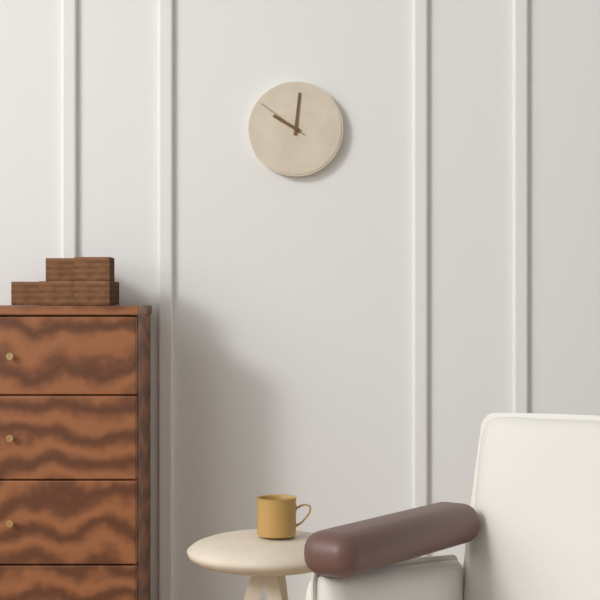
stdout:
10:01:51
